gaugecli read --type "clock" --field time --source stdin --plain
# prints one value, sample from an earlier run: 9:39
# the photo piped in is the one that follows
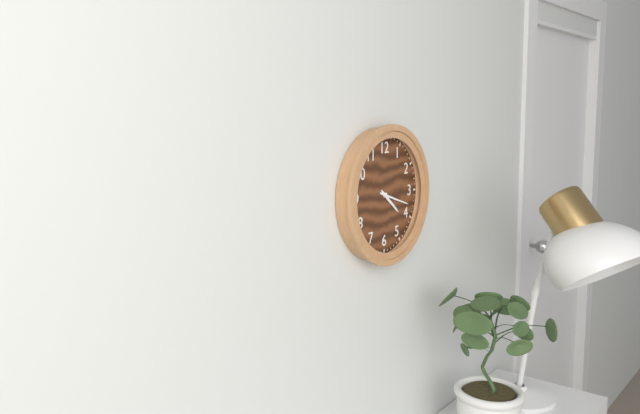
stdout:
4:18
